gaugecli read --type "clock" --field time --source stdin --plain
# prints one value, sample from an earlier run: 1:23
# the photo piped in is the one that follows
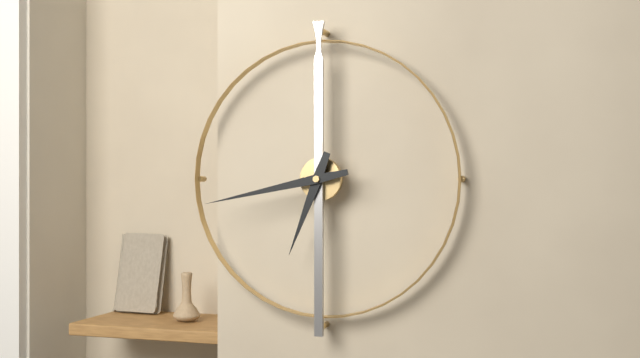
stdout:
6:43
